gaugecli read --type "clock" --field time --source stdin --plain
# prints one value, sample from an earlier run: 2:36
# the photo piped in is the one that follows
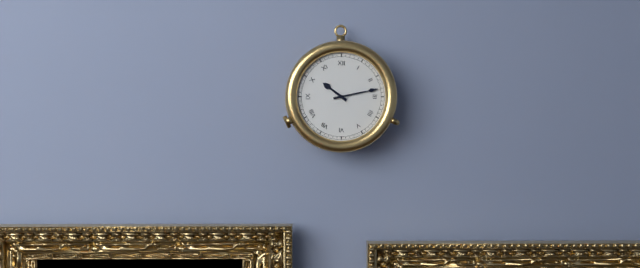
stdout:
10:13
